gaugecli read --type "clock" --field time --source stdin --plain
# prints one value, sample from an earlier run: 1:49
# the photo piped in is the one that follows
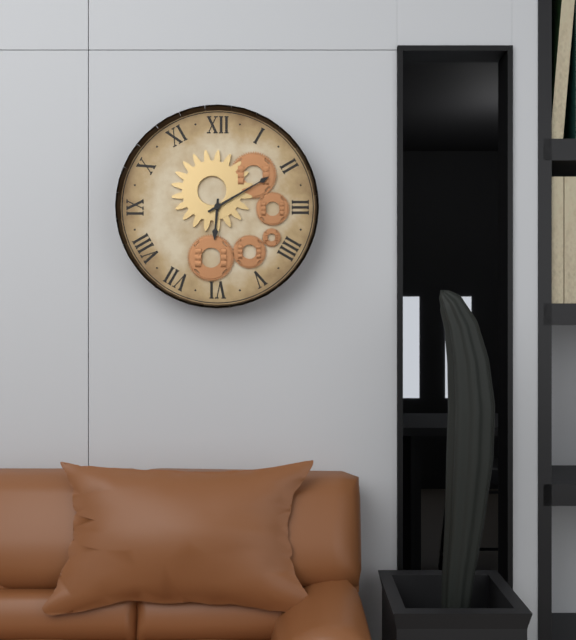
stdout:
6:10
